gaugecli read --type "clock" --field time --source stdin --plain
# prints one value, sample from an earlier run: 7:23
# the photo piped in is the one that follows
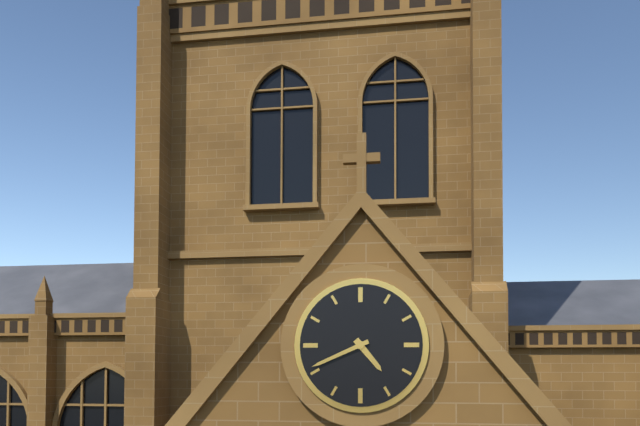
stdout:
4:41
